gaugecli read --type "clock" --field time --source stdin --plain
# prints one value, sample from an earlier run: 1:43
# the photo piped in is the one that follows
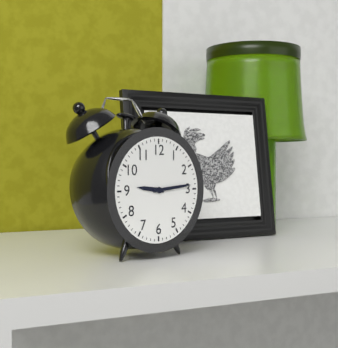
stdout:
9:14
